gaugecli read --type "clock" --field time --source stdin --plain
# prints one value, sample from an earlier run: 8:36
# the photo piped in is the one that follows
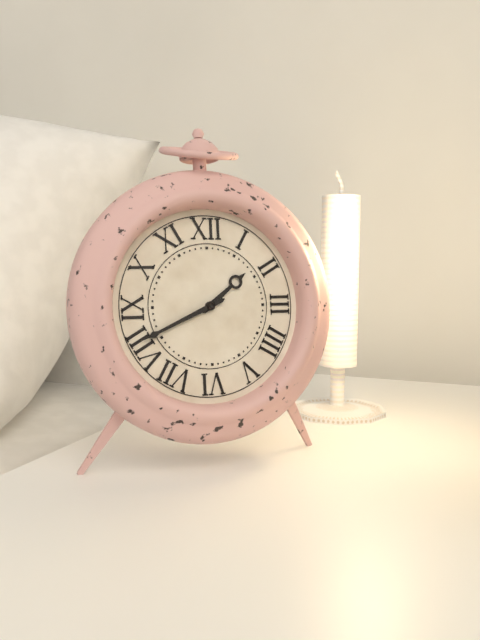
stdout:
1:41
